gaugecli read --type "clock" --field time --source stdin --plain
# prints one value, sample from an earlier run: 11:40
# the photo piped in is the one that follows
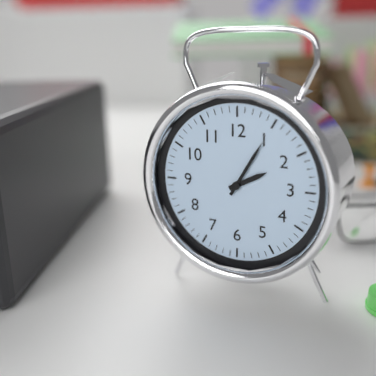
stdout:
2:05
